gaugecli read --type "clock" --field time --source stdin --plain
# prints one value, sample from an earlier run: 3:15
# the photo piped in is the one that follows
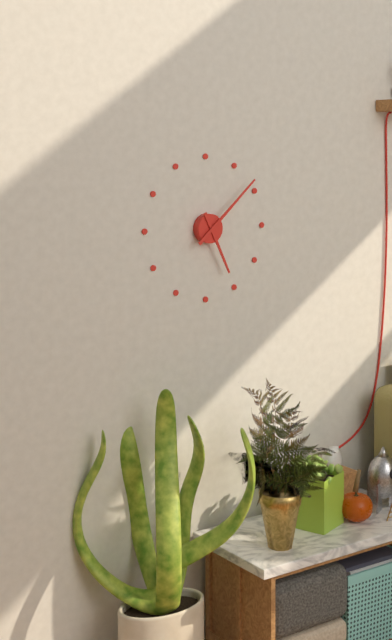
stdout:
5:08
